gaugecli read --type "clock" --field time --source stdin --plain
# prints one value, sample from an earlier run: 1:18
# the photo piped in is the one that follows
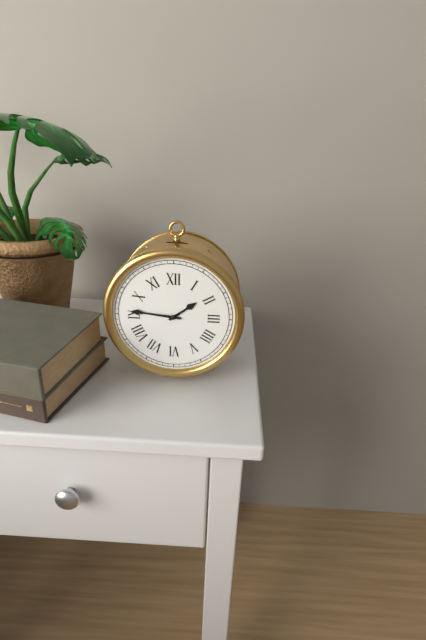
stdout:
1:46
